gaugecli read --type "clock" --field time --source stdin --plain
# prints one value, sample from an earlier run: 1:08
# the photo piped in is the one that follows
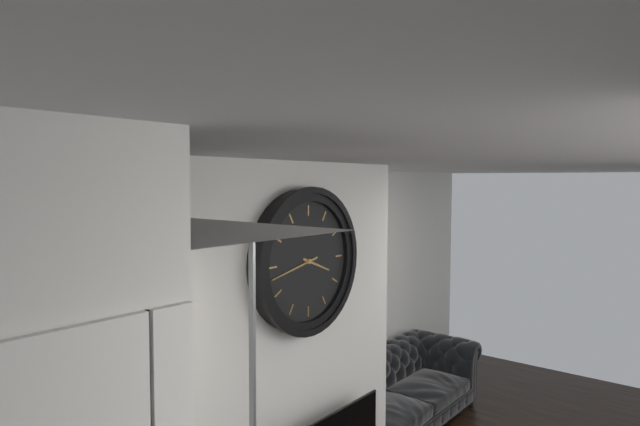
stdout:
3:43
